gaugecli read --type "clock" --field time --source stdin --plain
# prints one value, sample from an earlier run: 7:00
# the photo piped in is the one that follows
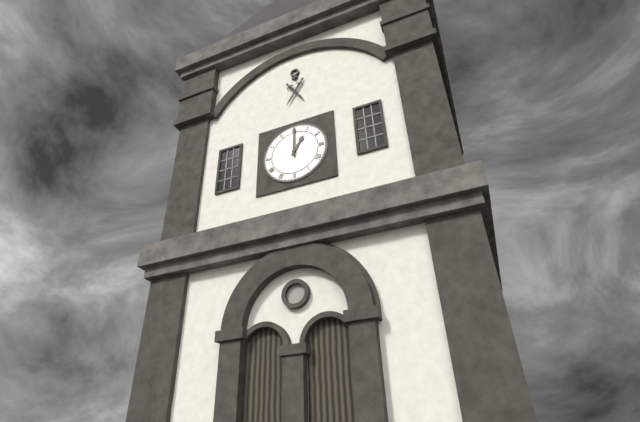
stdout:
1:00
